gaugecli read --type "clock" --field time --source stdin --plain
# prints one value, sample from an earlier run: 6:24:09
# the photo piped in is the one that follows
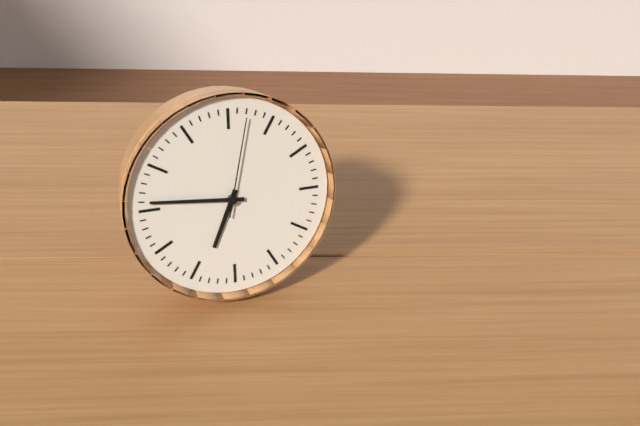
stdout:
6:46:02
